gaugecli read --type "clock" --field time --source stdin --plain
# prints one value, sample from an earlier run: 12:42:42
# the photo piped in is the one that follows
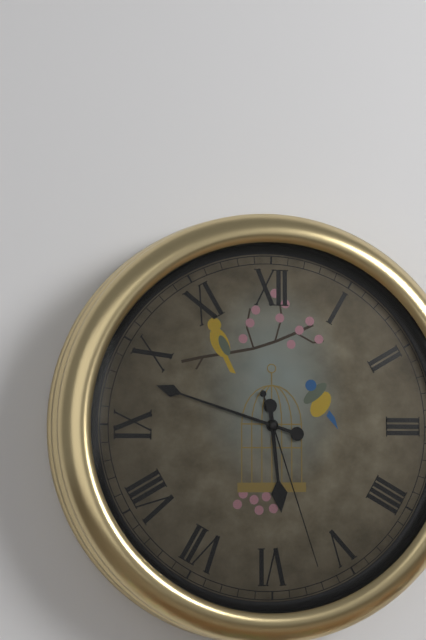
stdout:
5:48:27
